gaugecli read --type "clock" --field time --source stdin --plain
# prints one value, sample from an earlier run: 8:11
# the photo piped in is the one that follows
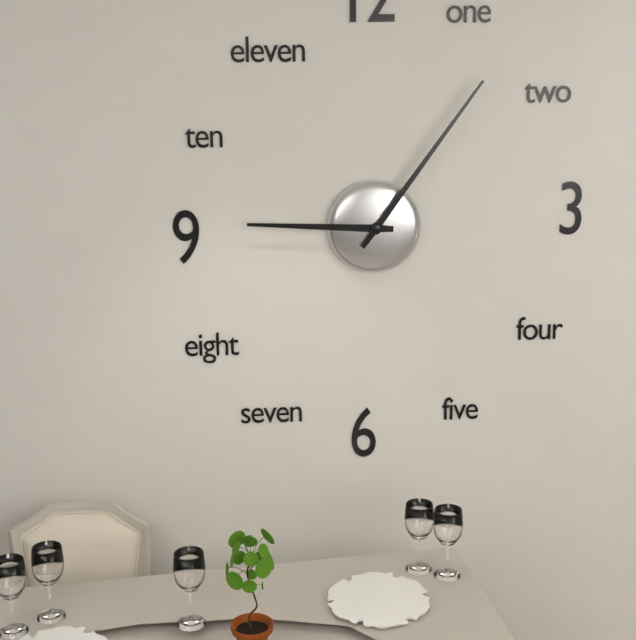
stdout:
9:06
